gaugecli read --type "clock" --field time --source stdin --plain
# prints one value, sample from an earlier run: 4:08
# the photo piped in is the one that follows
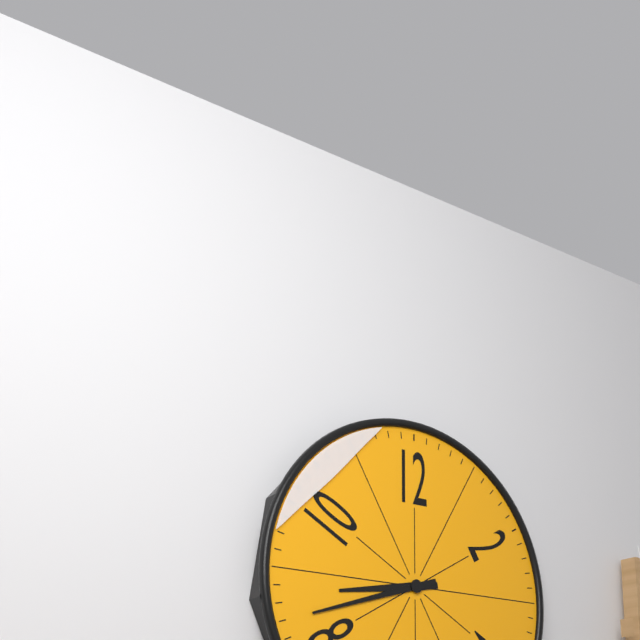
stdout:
8:42
